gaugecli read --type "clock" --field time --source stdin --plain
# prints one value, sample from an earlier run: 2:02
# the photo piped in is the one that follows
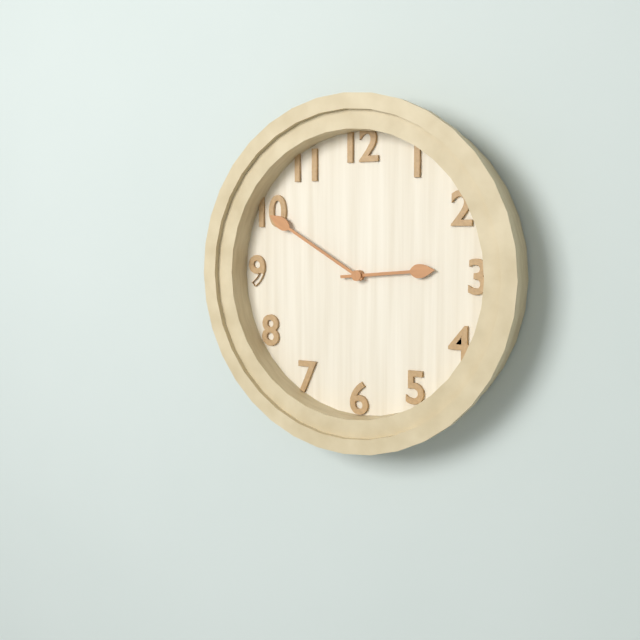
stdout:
2:50
